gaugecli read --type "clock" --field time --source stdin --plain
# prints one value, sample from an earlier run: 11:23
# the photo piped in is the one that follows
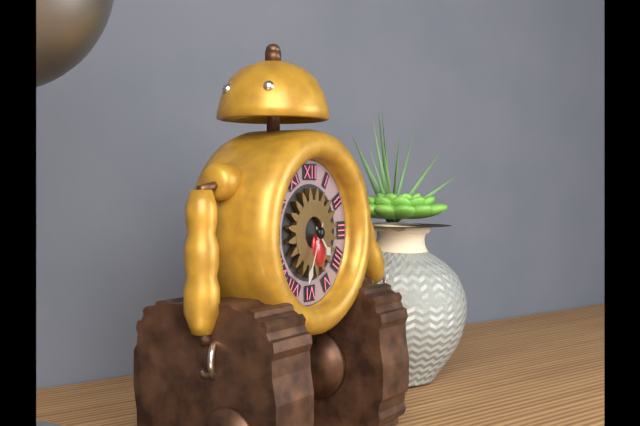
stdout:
4:34
